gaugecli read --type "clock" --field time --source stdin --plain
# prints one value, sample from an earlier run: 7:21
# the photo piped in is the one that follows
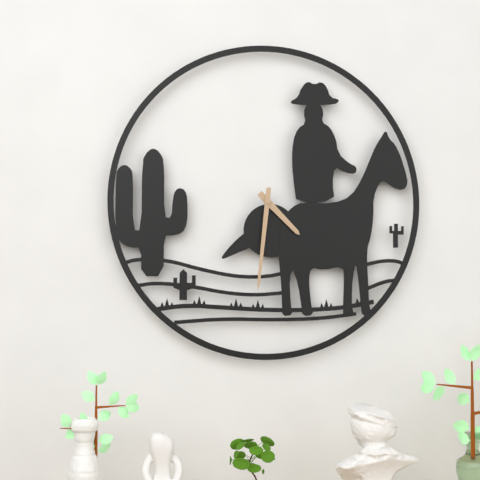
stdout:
4:31
